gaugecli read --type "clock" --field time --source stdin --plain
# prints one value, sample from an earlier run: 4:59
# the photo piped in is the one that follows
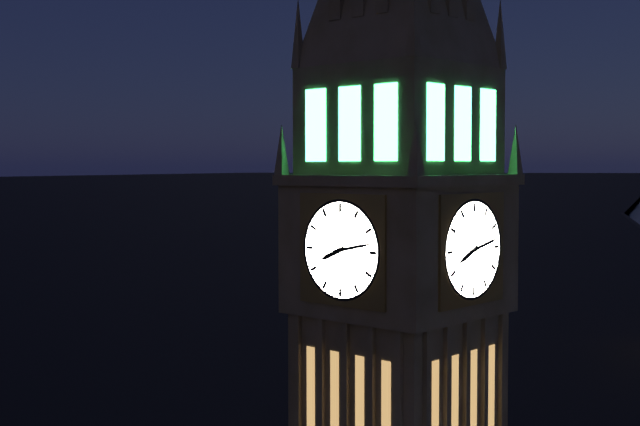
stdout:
8:13
